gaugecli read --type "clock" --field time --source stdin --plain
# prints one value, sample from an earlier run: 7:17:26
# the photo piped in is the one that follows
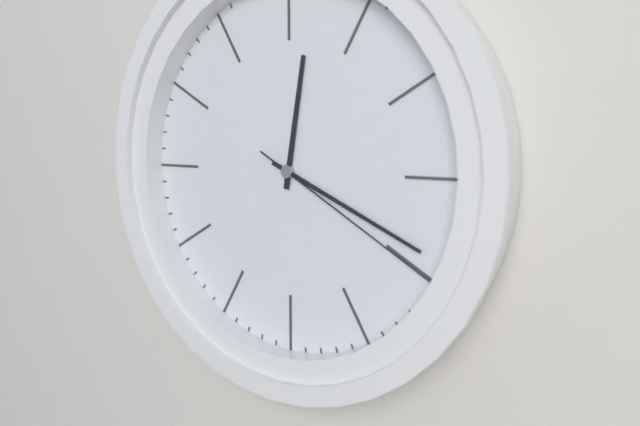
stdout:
12:19:20
